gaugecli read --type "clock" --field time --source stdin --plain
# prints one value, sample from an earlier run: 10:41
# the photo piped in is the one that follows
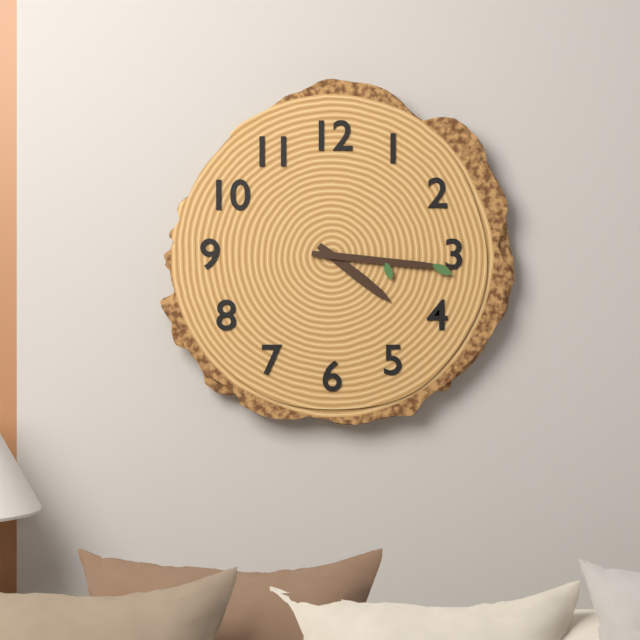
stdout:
4:16
